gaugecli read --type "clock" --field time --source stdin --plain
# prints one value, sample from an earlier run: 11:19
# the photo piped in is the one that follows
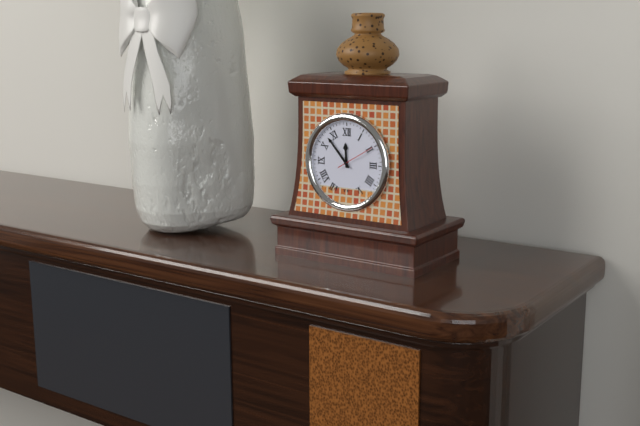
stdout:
11:53
